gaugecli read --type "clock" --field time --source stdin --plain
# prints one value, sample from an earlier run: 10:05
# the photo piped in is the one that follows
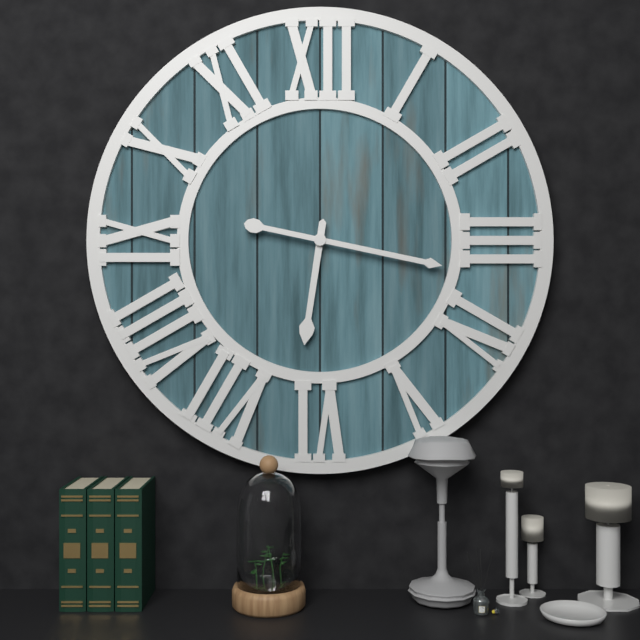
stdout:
6:17
